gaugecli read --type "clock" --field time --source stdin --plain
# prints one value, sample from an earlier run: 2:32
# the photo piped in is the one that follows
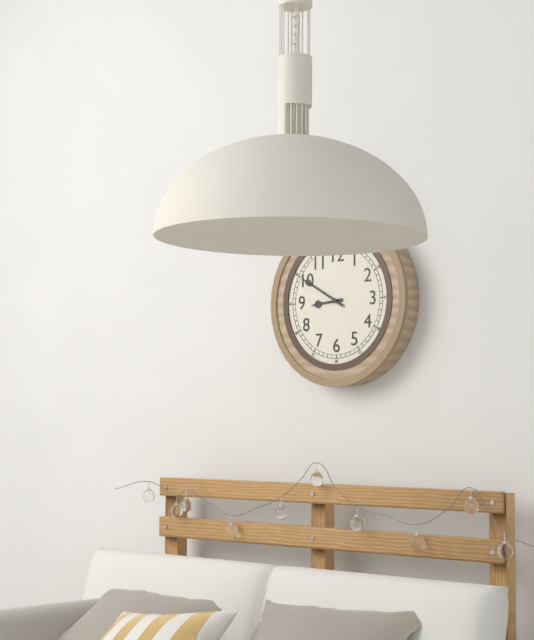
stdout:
8:50
